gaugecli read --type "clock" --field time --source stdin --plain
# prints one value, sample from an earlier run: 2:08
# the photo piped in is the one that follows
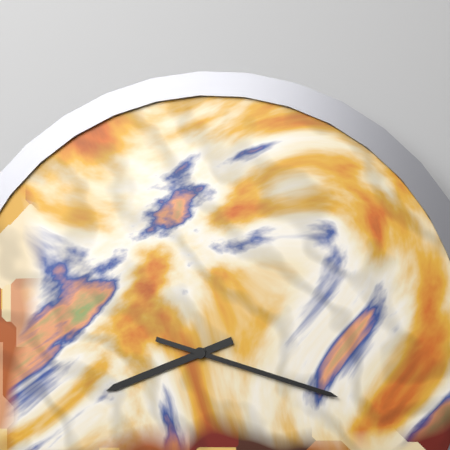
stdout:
8:18
